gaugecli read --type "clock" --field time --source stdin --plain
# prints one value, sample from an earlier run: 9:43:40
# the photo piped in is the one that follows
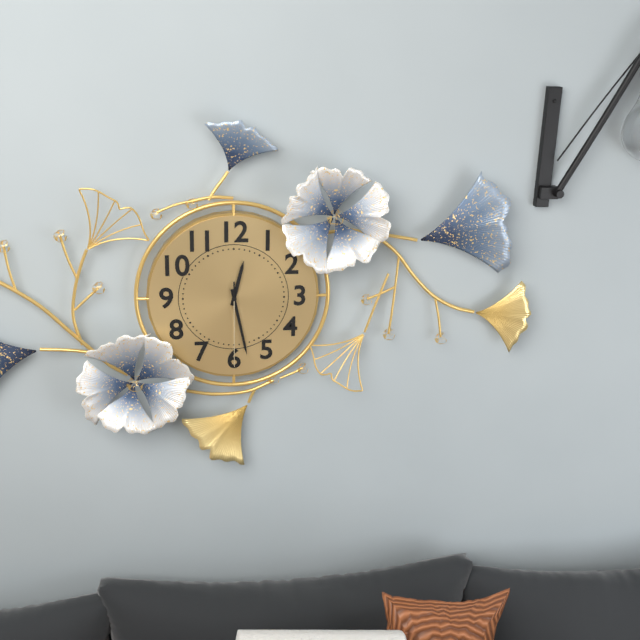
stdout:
12:28:30
